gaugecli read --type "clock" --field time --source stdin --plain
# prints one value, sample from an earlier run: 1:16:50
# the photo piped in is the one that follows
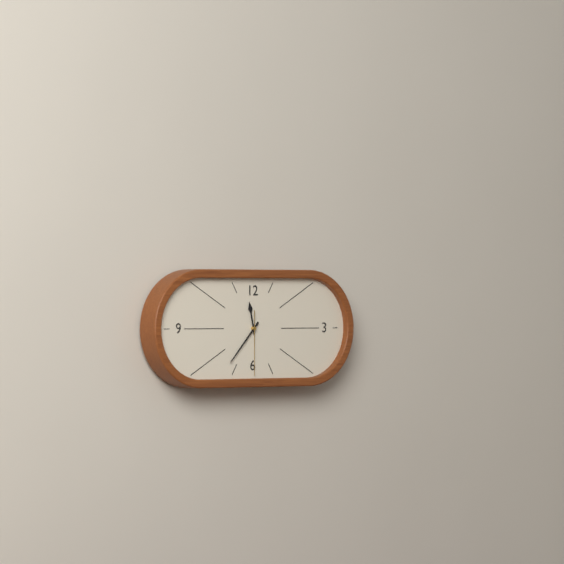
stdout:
11:37:30
